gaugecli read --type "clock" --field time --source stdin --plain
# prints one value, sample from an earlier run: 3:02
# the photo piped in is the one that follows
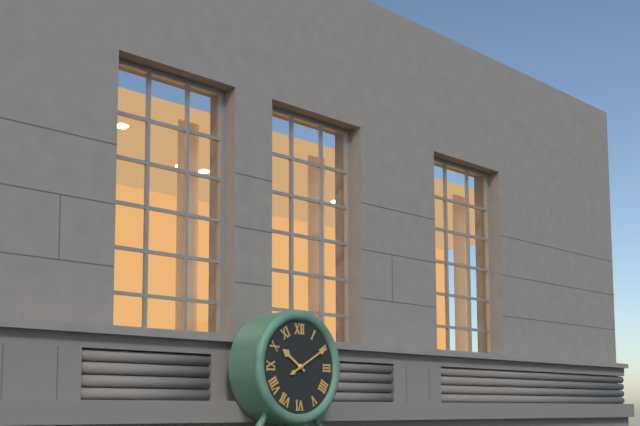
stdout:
10:10
